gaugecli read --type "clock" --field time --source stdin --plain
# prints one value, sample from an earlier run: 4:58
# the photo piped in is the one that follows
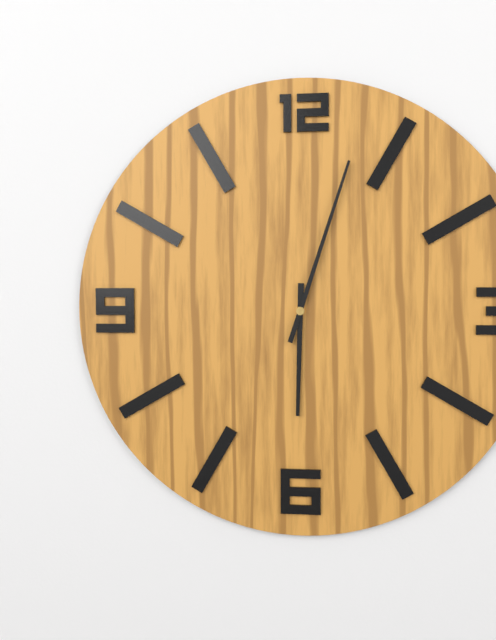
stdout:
6:03
